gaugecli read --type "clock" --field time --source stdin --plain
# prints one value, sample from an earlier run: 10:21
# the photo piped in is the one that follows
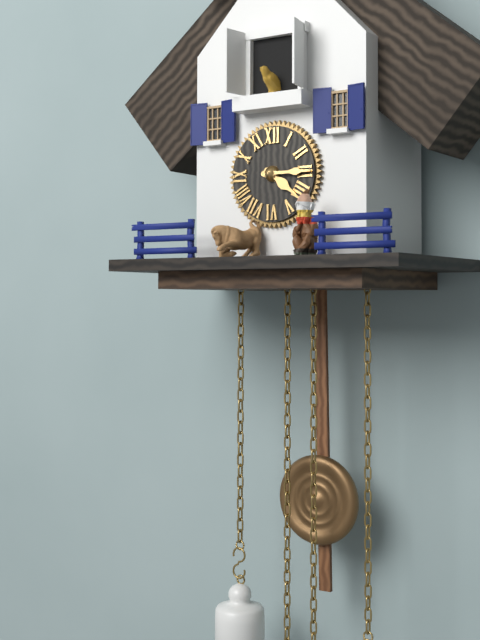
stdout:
4:15
